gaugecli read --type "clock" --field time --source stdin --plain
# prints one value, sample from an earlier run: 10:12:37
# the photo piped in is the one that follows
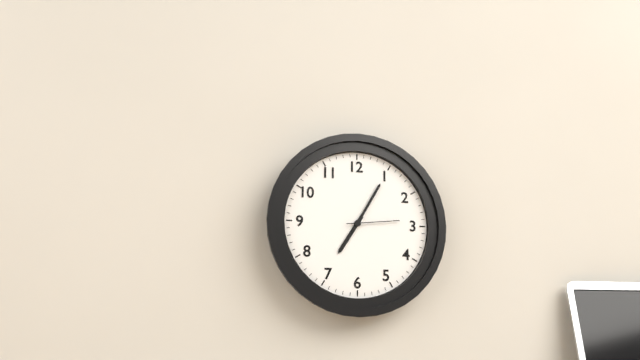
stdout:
7:05:14
